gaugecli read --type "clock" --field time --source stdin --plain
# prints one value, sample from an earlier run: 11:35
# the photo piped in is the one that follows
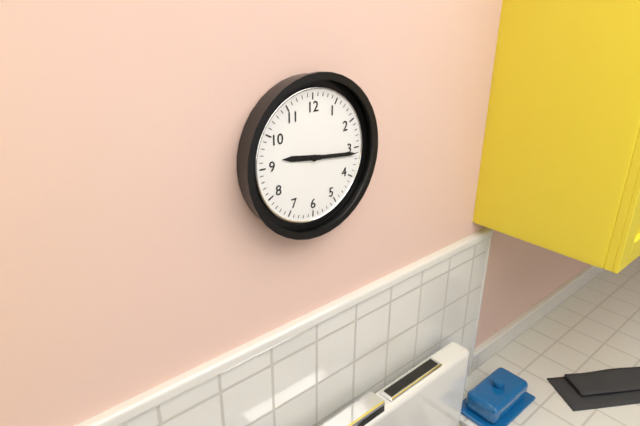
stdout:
9:16
